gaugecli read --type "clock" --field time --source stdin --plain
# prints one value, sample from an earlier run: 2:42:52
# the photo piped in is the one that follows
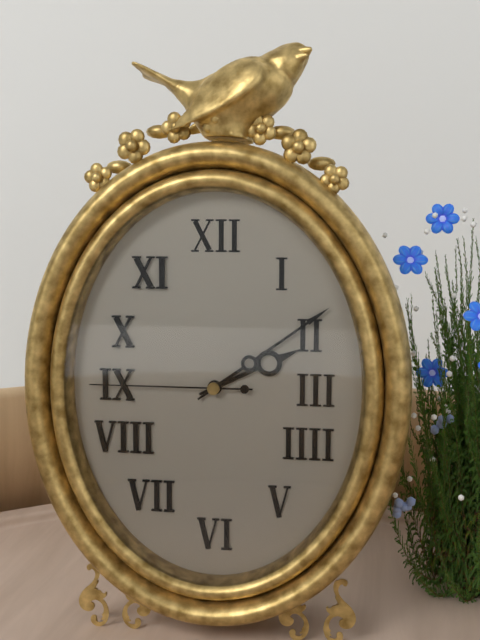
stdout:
2:09:45
